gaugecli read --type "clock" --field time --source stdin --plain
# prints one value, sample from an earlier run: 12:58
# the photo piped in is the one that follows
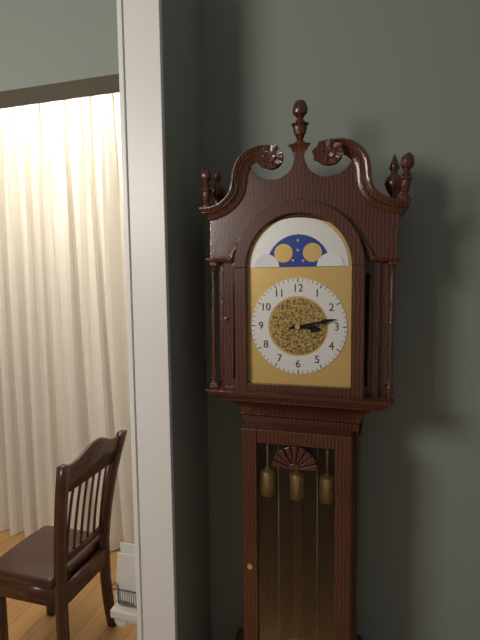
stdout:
3:13
